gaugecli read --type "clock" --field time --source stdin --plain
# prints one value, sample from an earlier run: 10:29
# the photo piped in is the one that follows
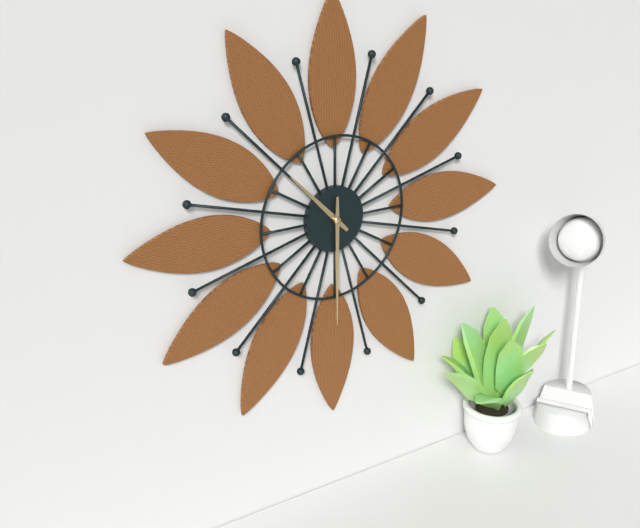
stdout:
10:30
